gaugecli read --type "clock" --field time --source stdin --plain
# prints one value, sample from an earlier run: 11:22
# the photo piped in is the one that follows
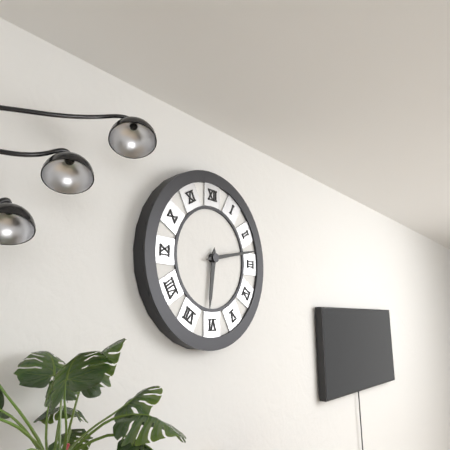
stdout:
6:13
